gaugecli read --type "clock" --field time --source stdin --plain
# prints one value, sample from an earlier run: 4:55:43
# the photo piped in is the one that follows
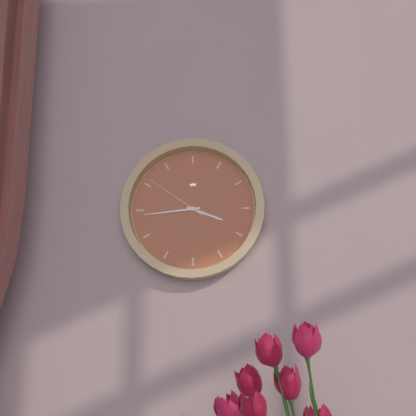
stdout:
3:44:51
